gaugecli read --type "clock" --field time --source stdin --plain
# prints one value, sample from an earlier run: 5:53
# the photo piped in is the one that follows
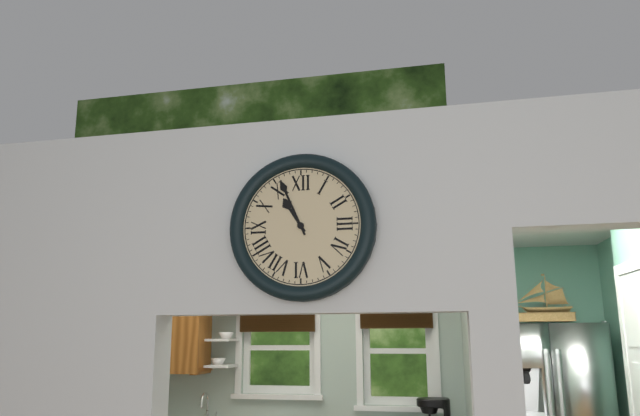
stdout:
10:56
